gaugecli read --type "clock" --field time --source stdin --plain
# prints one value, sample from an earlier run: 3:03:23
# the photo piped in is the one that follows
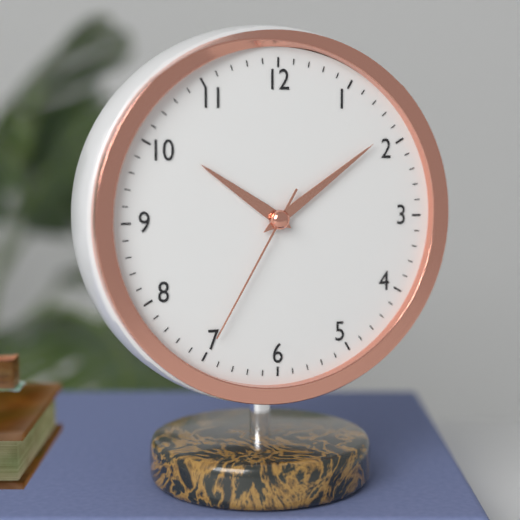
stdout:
10:09:35
